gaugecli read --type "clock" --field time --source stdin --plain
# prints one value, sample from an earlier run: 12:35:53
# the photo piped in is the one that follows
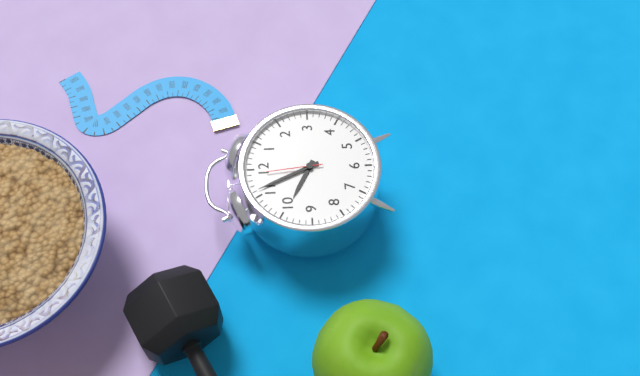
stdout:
9:56:59
